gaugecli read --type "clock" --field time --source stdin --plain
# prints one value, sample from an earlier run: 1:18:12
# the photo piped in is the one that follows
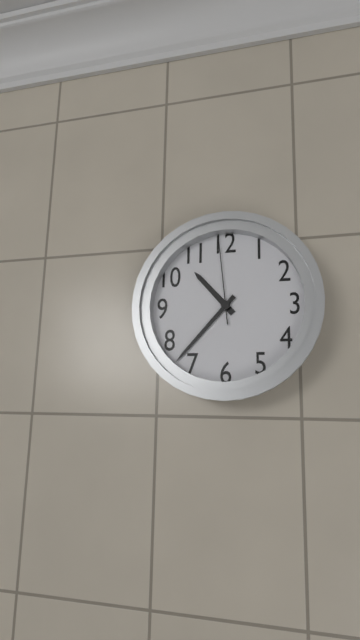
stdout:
10:37:59
